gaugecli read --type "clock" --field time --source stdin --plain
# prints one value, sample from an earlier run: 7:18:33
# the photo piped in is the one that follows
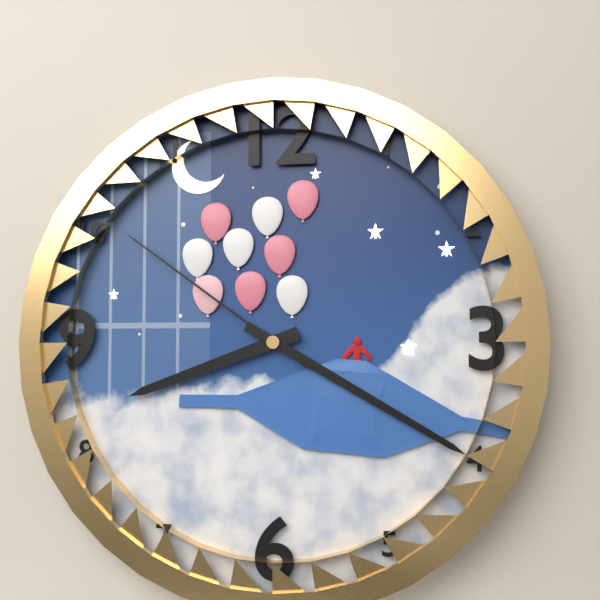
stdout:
8:20:51
